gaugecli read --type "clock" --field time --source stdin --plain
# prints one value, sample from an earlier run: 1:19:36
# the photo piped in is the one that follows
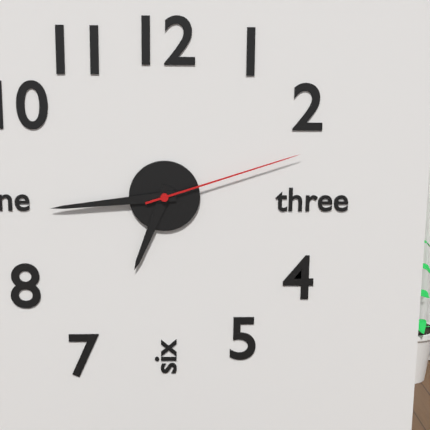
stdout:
6:44:12
